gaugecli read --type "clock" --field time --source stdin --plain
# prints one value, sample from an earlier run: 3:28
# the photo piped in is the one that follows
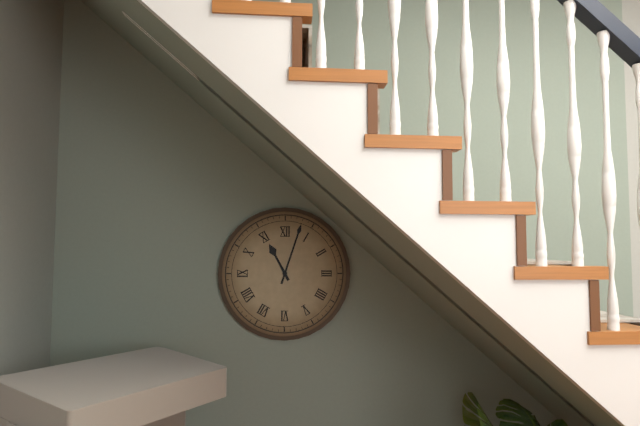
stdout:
11:03
